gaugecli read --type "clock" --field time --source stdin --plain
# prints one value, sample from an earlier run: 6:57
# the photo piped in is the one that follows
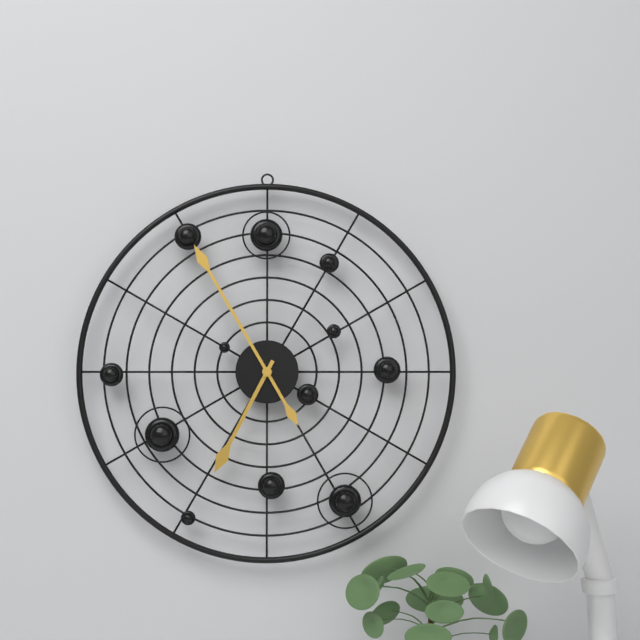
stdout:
6:55
